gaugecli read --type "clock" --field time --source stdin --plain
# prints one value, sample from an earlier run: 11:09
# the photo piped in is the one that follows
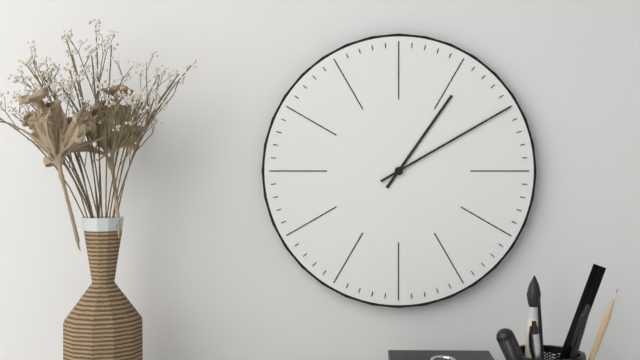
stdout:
1:10
